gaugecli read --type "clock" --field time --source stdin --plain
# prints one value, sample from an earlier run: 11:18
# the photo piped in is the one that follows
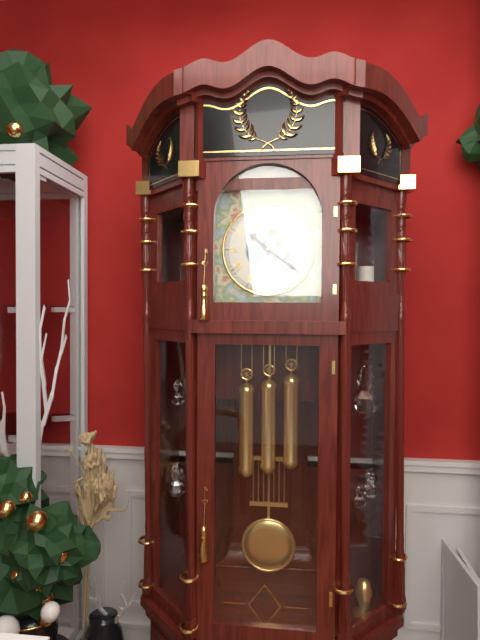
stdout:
10:21
